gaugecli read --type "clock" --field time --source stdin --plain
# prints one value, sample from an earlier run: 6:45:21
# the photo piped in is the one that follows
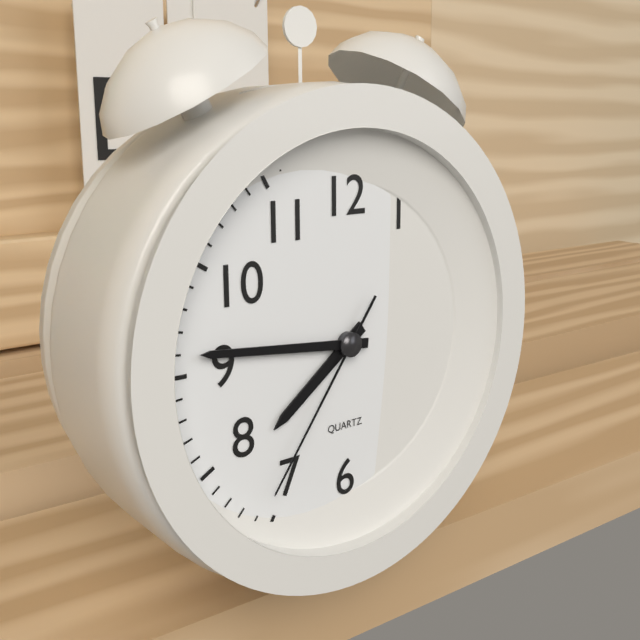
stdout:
7:46:36
